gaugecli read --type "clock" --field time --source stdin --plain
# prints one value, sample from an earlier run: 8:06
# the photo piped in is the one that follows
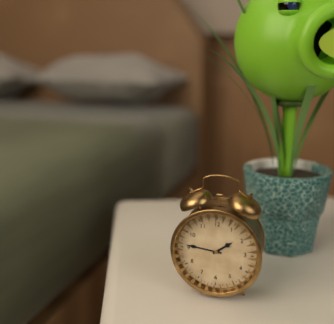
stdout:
1:46
